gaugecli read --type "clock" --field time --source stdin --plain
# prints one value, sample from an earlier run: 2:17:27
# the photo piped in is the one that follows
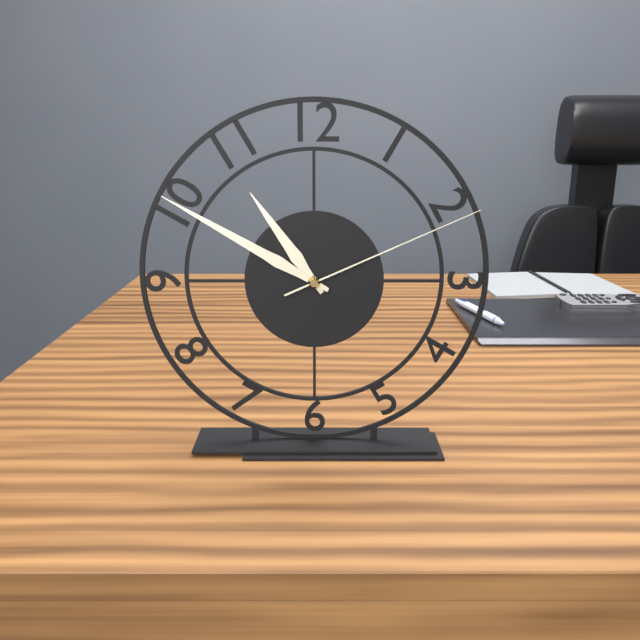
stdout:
10:50:11
